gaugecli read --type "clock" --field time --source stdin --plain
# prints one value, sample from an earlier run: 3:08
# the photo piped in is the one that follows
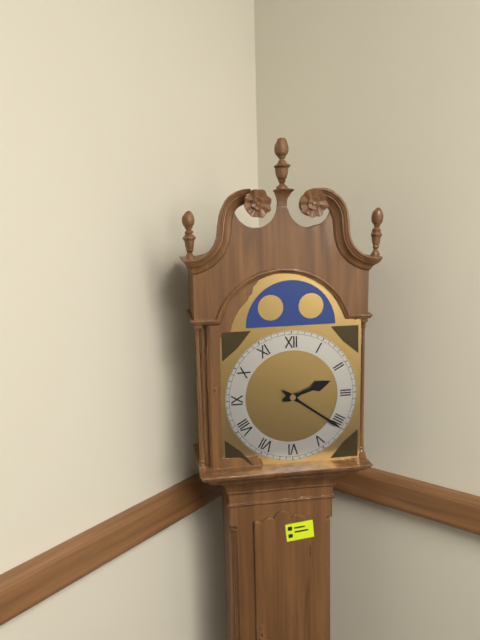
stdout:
2:21
